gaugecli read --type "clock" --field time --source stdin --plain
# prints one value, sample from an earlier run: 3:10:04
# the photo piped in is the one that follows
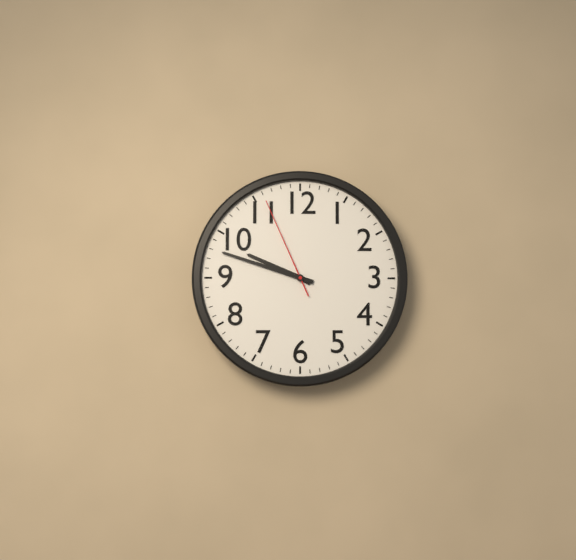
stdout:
9:48:56
